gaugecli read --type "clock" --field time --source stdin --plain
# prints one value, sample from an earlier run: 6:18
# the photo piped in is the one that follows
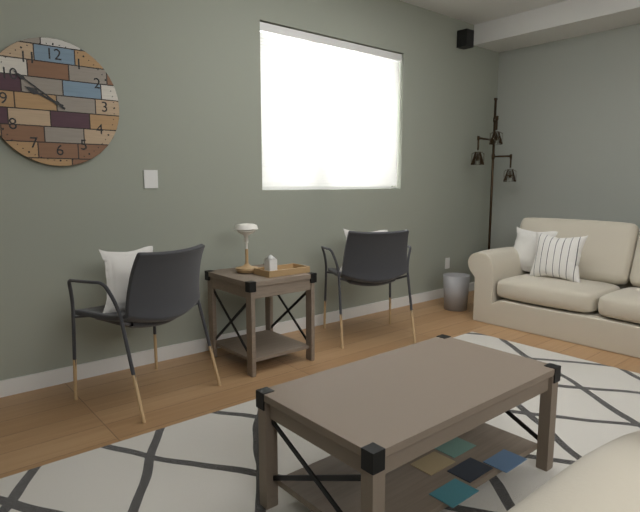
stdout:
9:51
